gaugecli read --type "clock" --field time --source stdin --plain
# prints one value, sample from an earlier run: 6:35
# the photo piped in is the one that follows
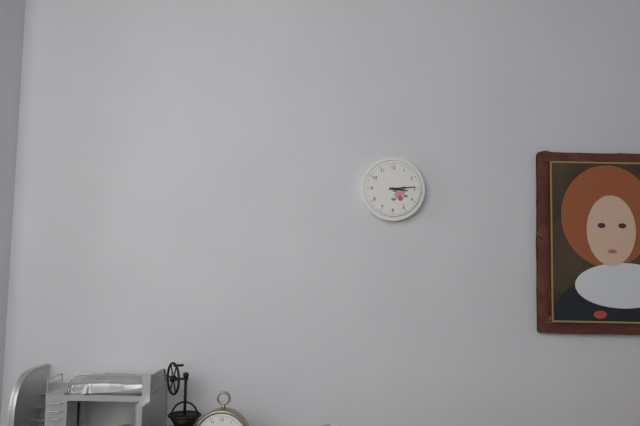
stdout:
3:14
